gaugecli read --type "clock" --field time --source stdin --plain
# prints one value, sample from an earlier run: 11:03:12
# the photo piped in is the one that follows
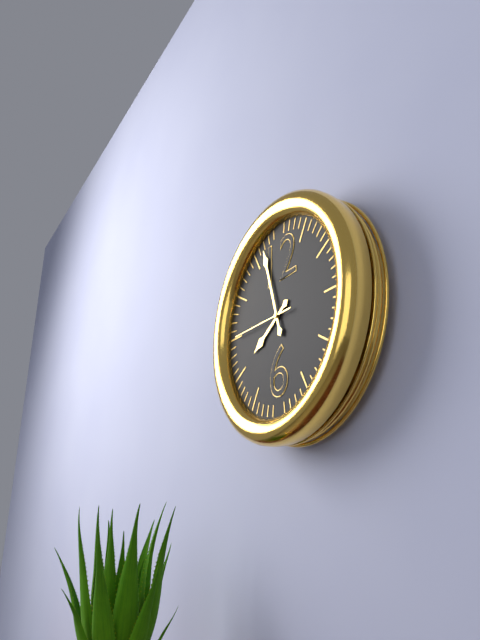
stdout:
7:57:45
